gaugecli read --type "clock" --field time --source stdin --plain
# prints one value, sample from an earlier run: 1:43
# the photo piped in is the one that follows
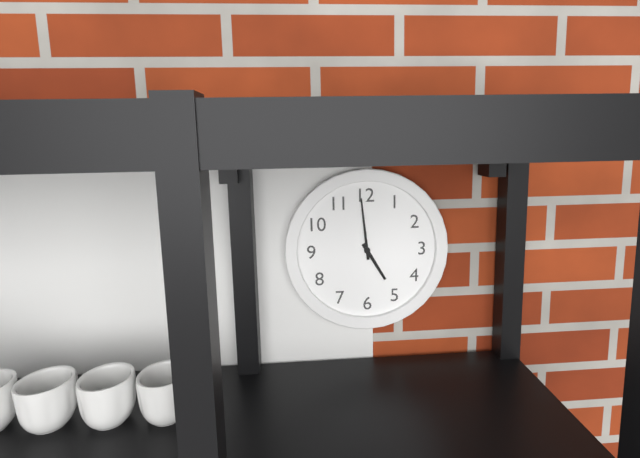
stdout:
4:59
